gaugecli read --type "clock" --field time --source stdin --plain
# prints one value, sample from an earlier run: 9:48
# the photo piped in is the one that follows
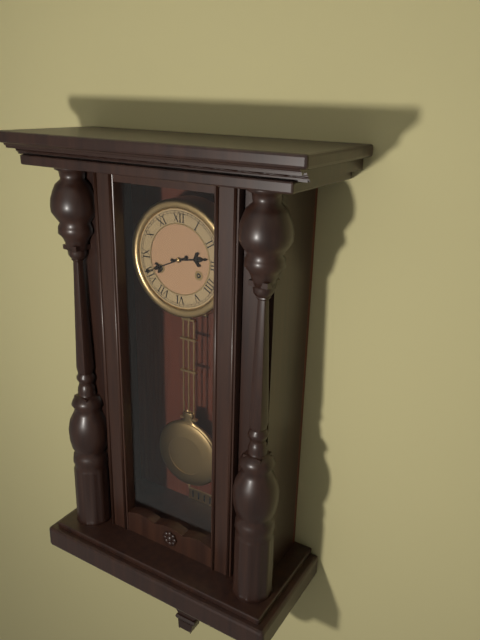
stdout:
2:41
